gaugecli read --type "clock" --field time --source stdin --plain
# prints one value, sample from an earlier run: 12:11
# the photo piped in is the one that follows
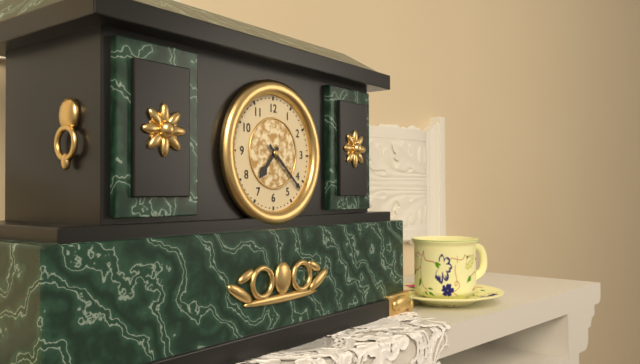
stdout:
7:22
